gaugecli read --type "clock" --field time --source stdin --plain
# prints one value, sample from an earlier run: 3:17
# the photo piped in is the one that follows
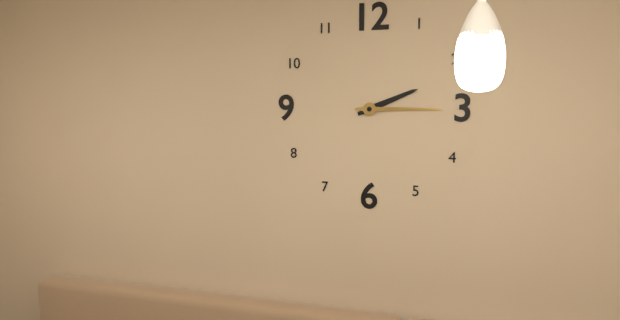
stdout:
2:15
